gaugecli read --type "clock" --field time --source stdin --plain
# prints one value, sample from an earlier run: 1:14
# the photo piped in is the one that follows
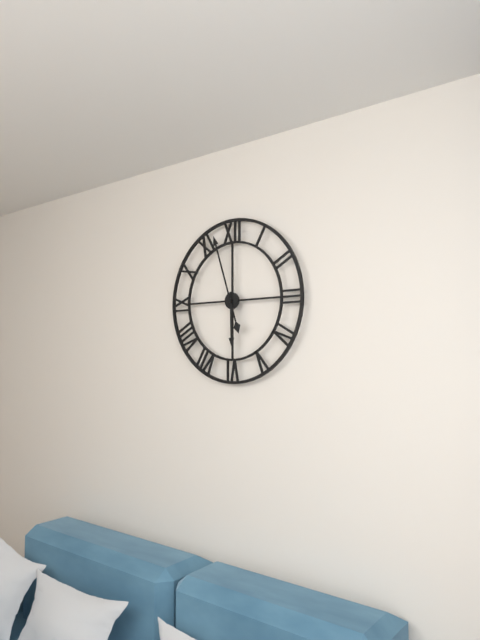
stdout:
5:57
